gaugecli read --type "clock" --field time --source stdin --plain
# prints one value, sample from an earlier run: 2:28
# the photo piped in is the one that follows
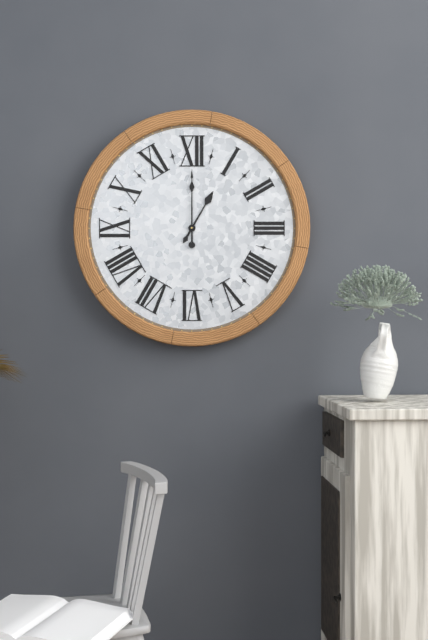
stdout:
1:00
